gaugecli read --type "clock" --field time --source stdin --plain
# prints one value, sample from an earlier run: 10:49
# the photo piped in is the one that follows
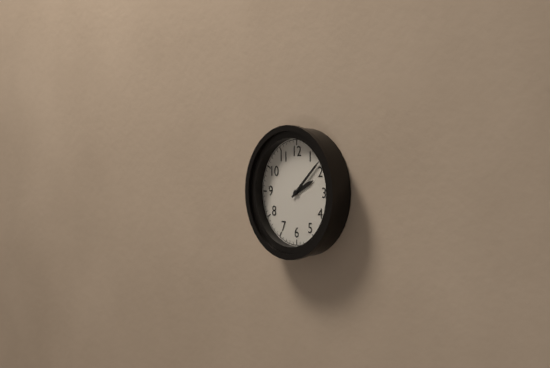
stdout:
2:08
